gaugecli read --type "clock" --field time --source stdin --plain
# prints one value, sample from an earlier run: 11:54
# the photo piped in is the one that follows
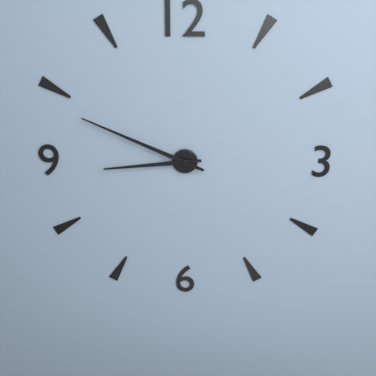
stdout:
8:49
